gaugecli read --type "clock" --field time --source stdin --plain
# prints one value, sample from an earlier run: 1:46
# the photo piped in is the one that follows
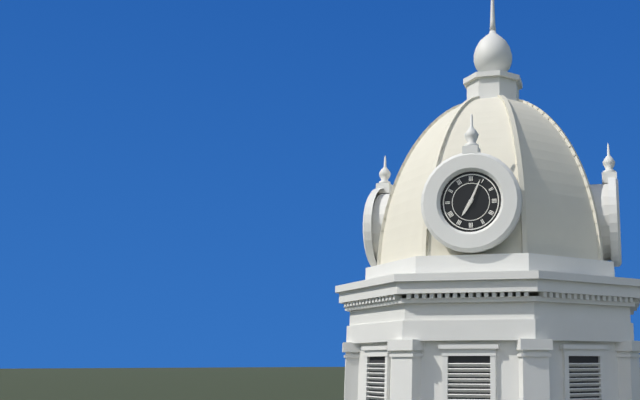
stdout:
7:04
